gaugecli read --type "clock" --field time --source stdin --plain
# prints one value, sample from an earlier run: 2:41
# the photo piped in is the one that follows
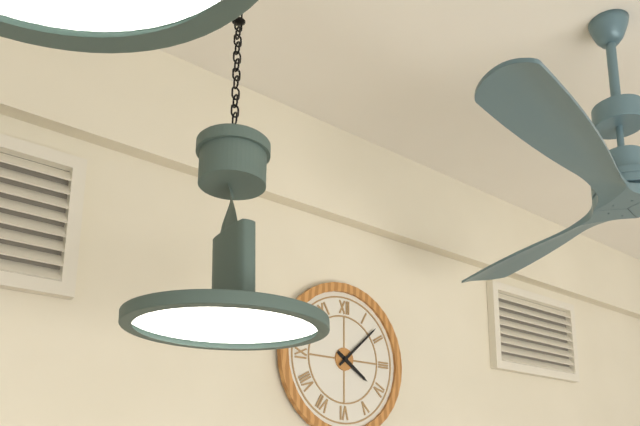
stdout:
4:08
